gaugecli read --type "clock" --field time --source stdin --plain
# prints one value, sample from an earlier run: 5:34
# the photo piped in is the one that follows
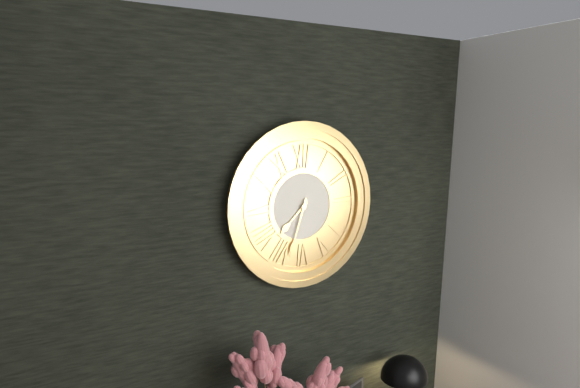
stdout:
7:33
